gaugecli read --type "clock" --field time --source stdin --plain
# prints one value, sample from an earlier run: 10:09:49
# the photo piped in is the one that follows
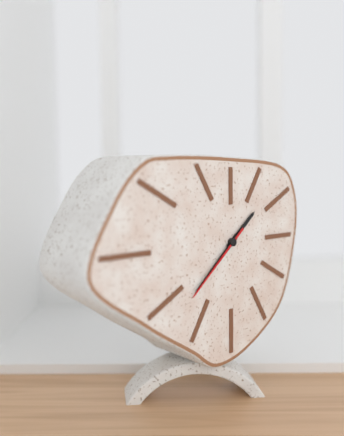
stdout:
1:38:38
